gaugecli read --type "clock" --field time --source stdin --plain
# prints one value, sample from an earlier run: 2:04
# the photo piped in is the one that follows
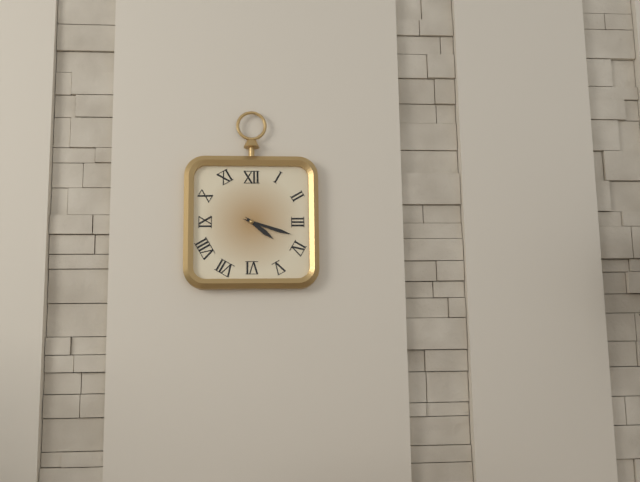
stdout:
4:18
